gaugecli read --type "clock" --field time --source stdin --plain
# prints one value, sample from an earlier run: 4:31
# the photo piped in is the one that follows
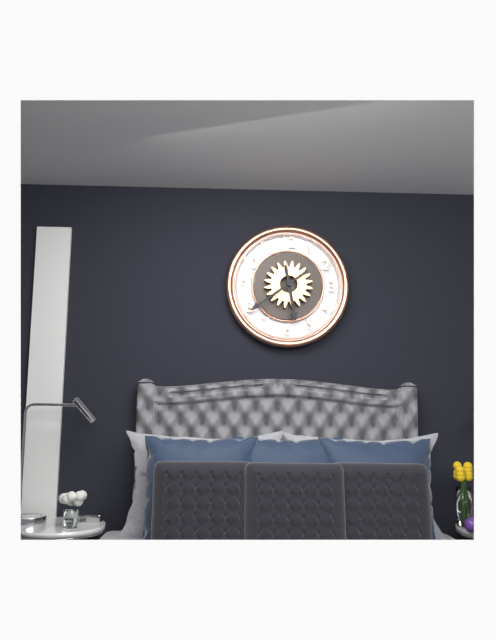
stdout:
5:39
